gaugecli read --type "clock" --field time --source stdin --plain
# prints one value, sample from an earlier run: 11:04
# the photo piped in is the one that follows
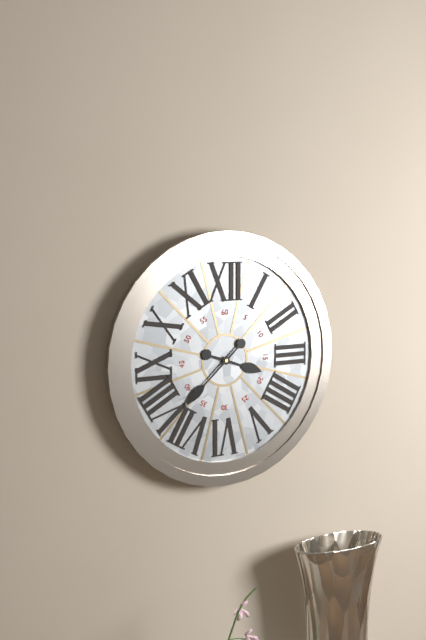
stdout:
3:38
